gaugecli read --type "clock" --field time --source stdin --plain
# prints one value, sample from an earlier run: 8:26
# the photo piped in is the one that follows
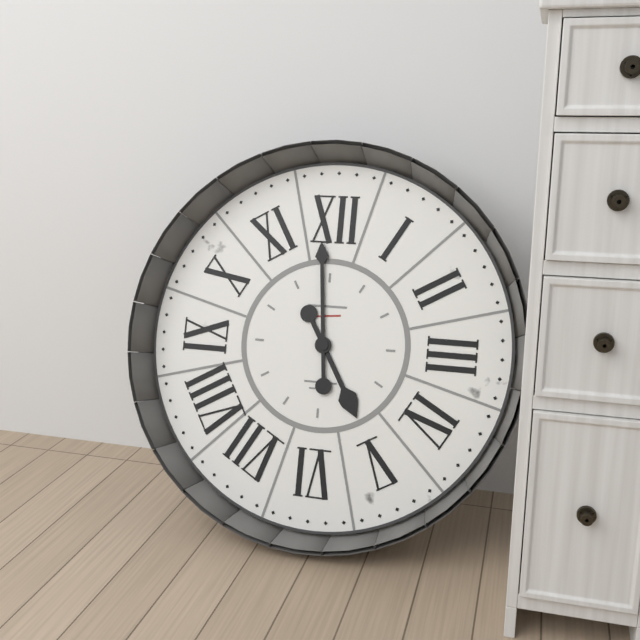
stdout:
4:59
